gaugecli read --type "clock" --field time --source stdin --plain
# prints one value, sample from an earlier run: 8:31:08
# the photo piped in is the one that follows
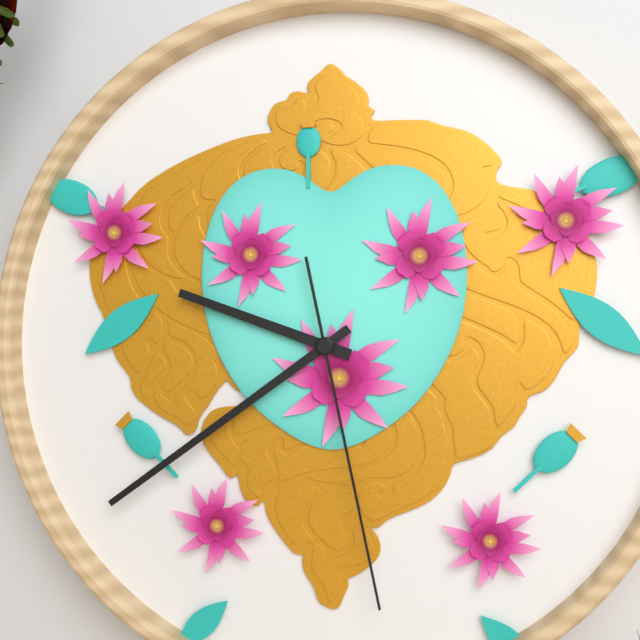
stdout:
9:39:28
